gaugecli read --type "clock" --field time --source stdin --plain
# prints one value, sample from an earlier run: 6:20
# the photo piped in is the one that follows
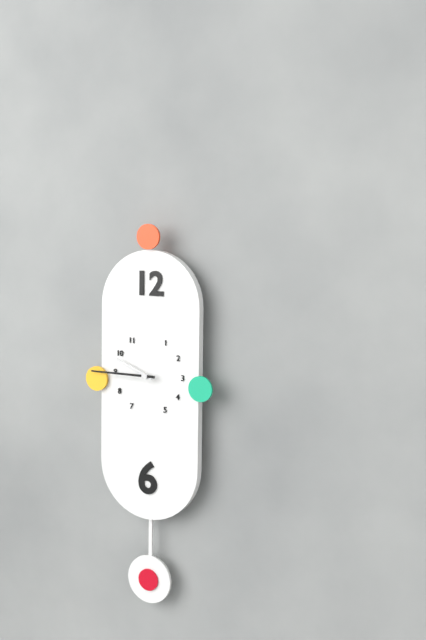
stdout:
9:45
